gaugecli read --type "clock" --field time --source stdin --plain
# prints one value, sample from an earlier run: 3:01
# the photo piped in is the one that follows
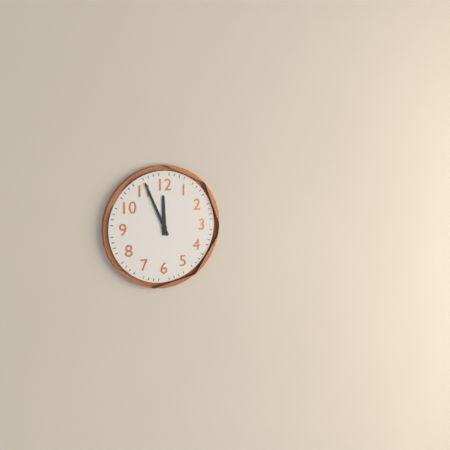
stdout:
11:56
